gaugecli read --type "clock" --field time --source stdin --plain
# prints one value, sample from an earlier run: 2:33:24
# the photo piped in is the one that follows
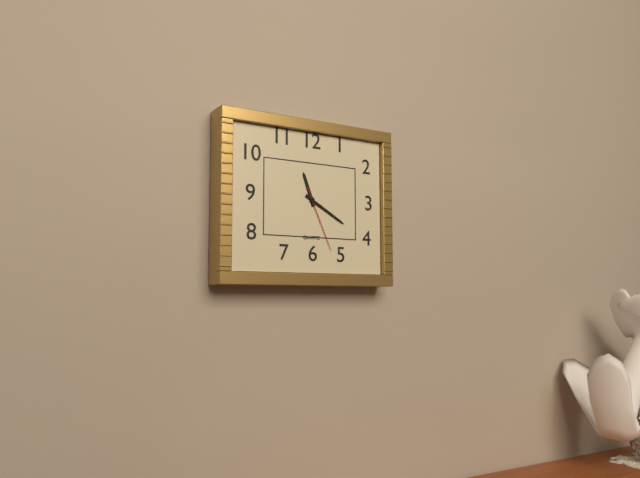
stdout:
11:20:26
